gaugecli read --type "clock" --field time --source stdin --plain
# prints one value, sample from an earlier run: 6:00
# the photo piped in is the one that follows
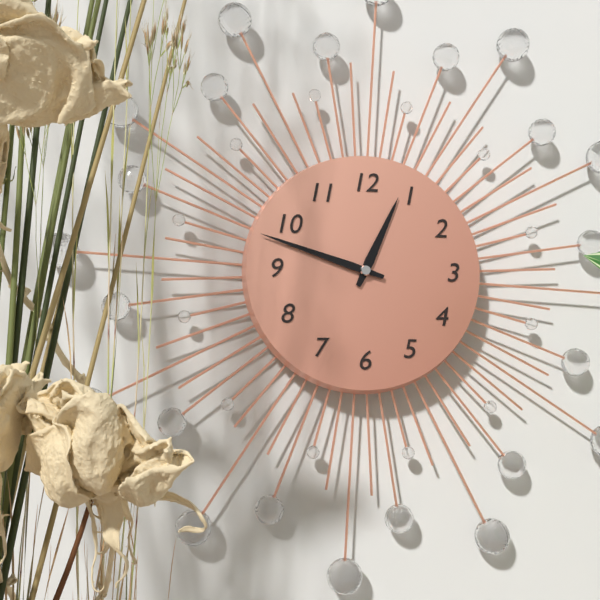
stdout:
12:48
